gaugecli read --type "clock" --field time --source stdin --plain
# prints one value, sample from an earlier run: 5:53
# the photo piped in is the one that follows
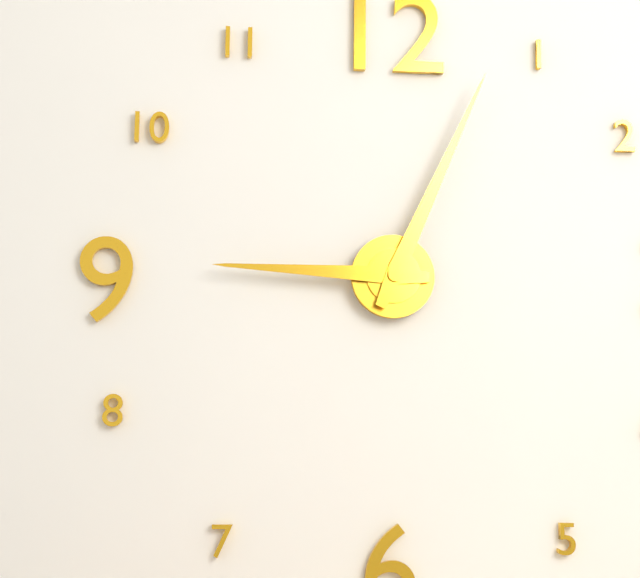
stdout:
9:04
